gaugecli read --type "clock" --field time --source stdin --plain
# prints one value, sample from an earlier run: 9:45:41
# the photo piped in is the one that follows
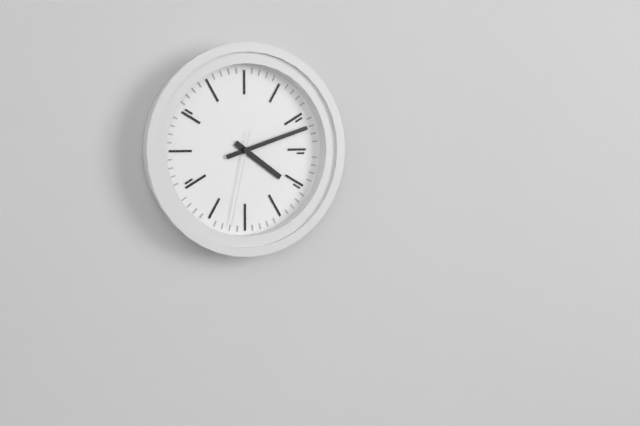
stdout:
4:12:32
